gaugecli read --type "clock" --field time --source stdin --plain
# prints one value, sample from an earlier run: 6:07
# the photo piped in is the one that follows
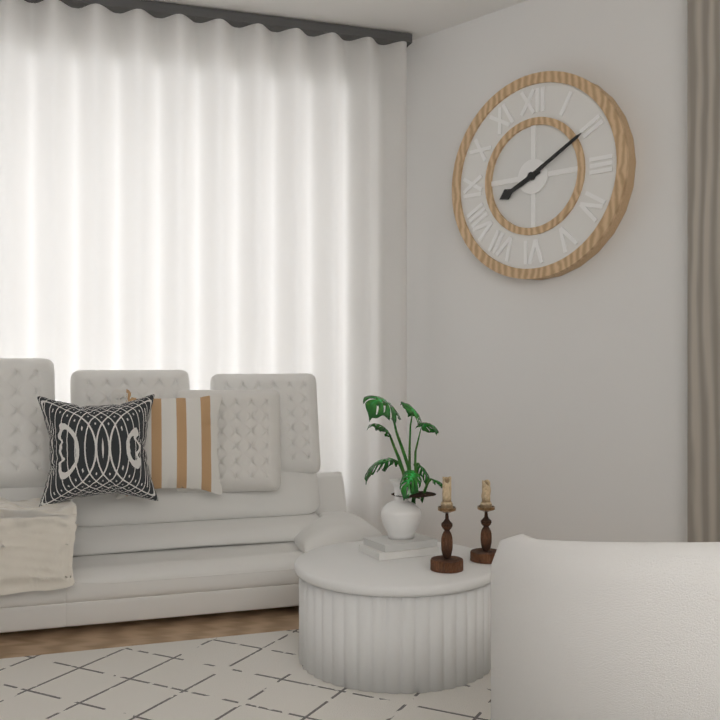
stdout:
8:10
